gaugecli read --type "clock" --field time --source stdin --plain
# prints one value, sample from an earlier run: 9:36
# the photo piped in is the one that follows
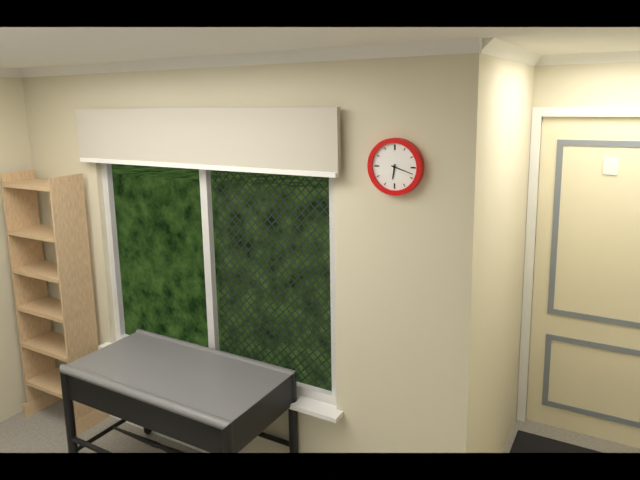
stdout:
6:18
